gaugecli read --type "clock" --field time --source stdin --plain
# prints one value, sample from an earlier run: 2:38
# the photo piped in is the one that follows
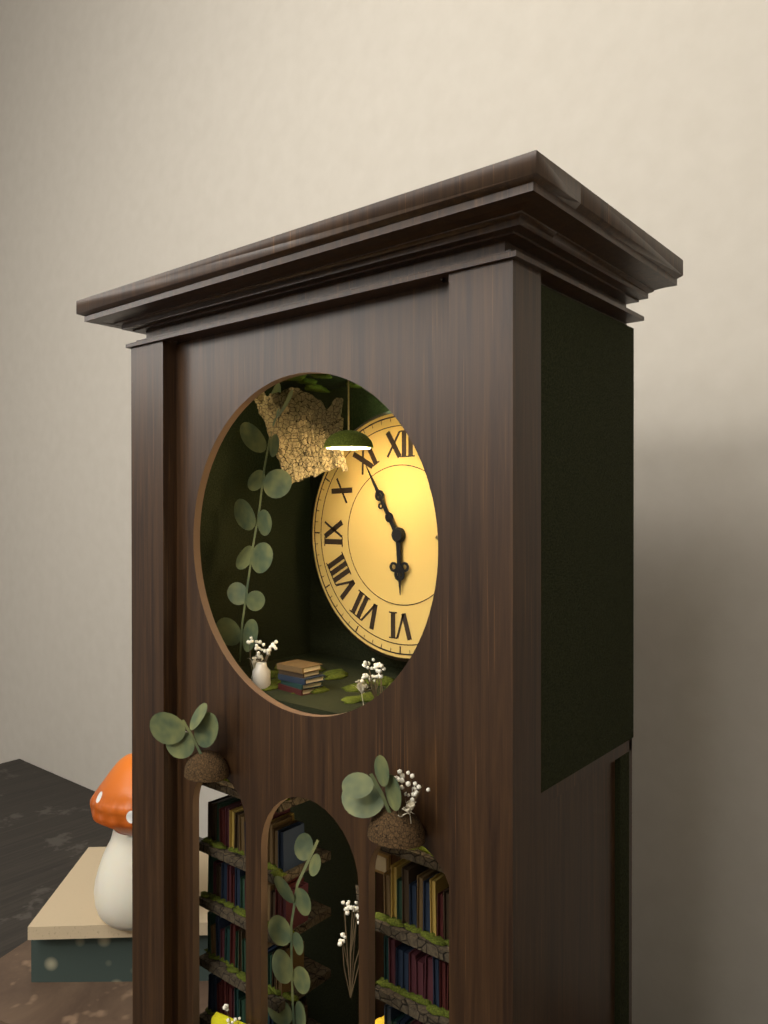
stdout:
5:55
